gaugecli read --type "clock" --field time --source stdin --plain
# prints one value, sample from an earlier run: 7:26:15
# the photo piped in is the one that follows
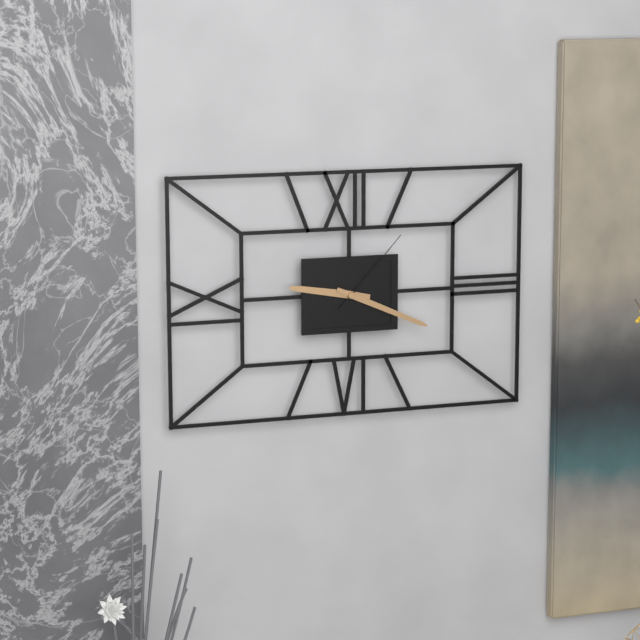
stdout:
9:19:07
